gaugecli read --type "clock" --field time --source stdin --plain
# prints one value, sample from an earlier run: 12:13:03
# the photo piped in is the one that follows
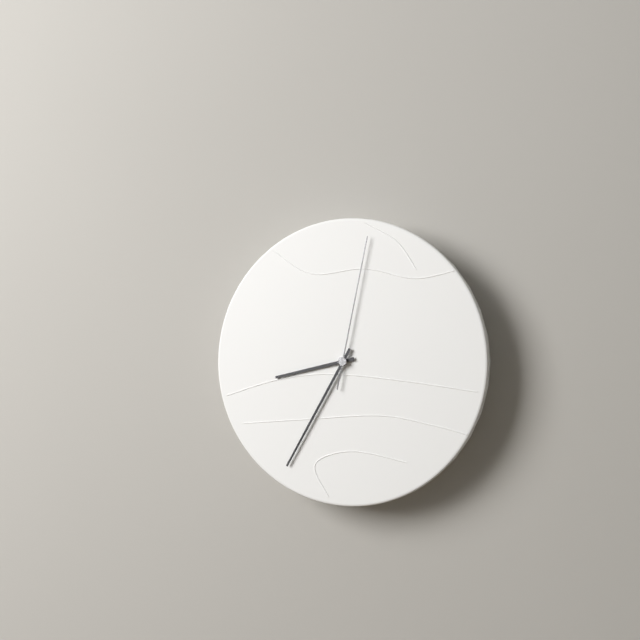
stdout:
8:35:02
